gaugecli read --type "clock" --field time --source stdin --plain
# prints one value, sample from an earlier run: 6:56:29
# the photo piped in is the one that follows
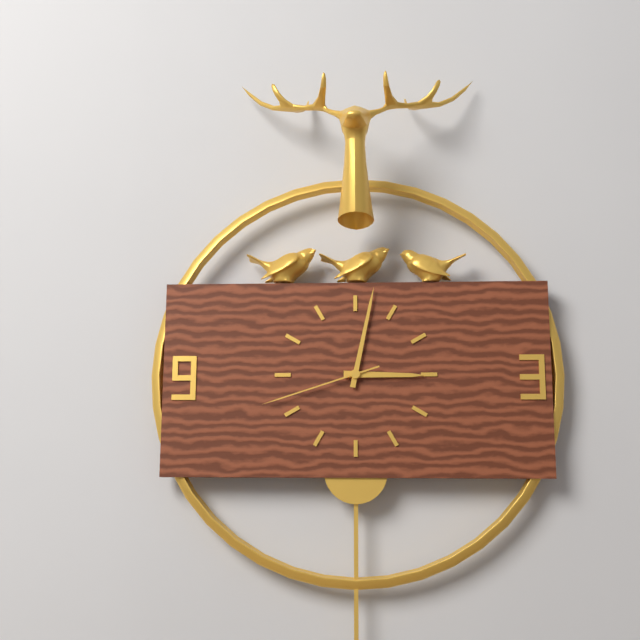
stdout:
3:02:42
